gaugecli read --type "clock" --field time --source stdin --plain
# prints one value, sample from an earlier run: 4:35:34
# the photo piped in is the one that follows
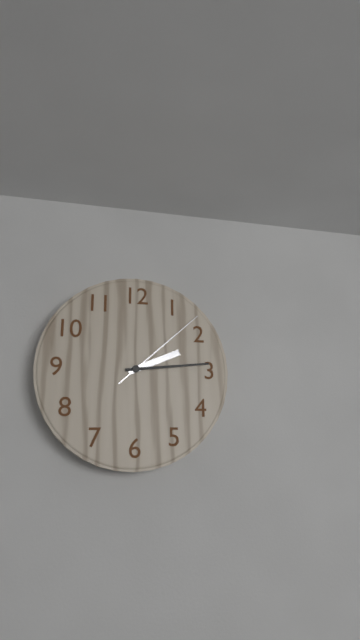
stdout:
2:14:08
